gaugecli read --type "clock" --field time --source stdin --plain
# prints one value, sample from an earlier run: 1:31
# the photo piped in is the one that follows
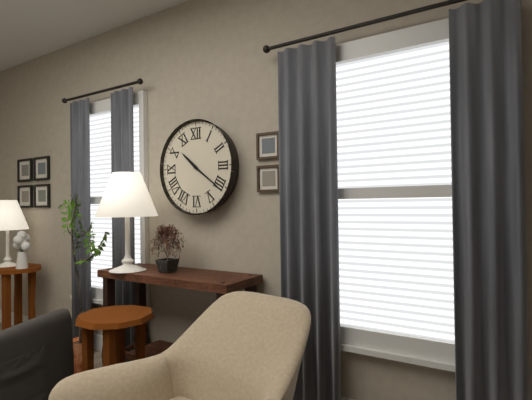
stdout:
10:21
